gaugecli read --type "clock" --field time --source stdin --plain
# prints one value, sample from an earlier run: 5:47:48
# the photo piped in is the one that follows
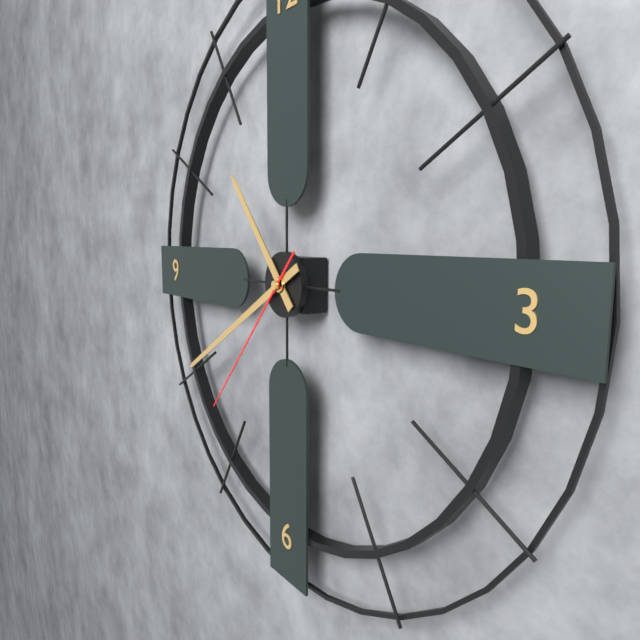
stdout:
10:40:37
